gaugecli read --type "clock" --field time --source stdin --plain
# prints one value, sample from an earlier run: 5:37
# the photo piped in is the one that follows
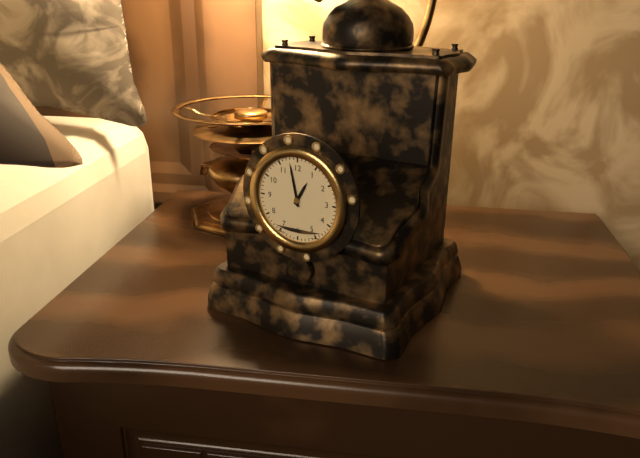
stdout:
12:58
